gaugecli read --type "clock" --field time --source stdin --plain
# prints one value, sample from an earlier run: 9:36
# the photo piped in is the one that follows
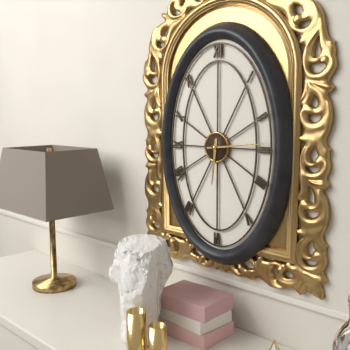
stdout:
6:14
